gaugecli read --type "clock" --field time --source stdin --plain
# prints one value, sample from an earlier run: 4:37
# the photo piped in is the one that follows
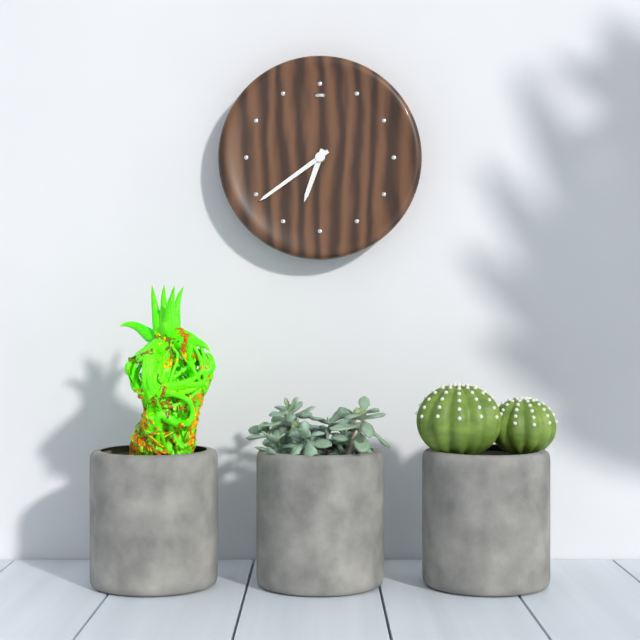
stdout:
6:39
